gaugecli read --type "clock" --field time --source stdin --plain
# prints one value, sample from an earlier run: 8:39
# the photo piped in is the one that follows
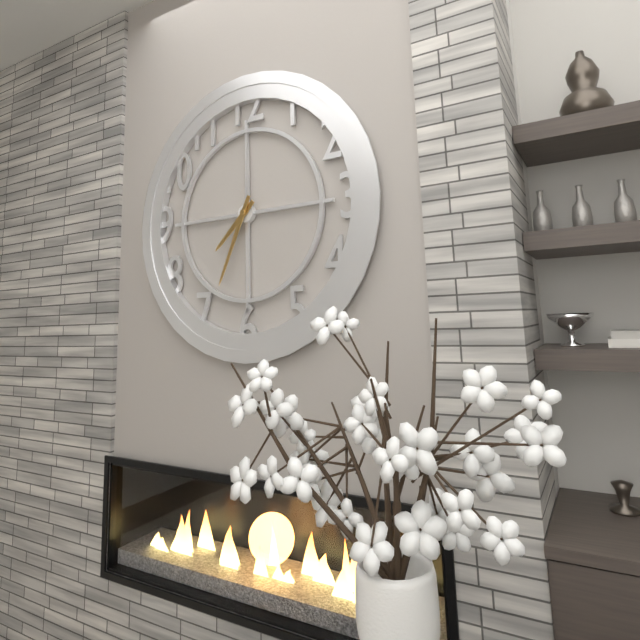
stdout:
7:34
